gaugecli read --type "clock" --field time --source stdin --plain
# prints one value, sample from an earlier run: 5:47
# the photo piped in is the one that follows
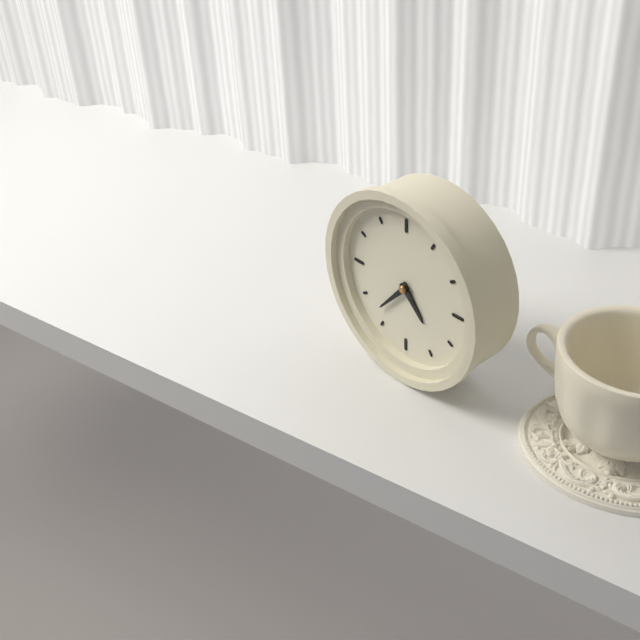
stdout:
4:37
